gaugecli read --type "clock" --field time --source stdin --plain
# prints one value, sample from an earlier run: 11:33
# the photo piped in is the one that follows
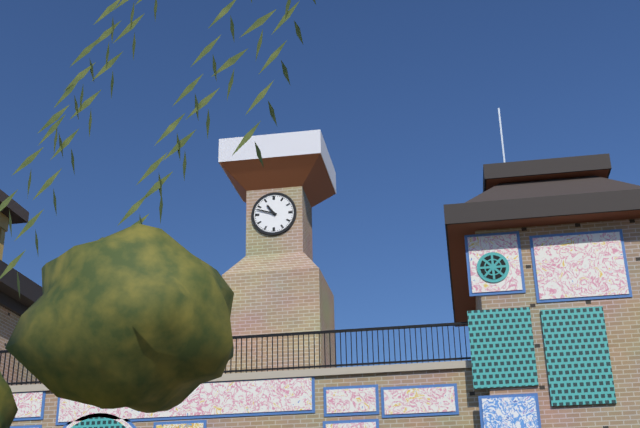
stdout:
10:48
